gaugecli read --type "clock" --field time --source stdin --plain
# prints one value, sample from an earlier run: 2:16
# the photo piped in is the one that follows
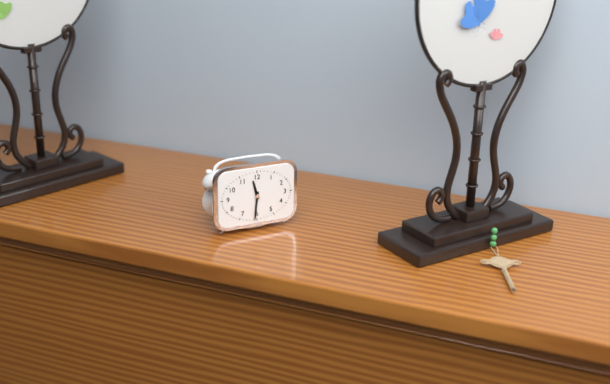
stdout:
11:31
